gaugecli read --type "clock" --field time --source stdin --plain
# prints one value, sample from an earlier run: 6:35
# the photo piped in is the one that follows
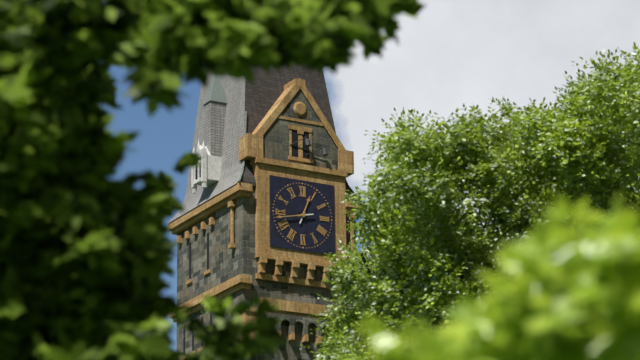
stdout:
12:43
